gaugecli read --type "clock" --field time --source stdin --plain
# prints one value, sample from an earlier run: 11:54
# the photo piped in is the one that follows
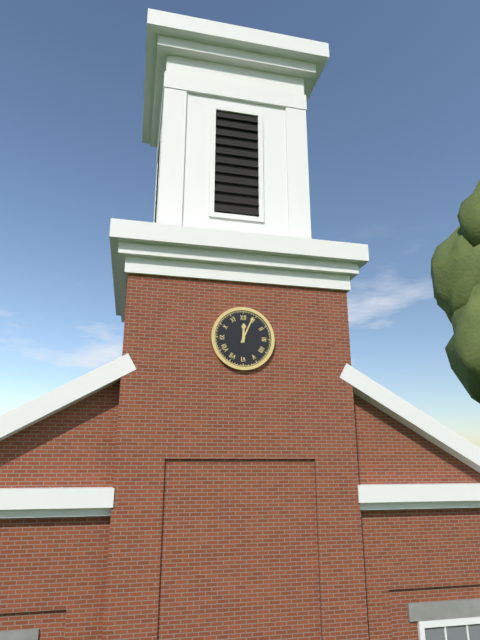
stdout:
12:04
